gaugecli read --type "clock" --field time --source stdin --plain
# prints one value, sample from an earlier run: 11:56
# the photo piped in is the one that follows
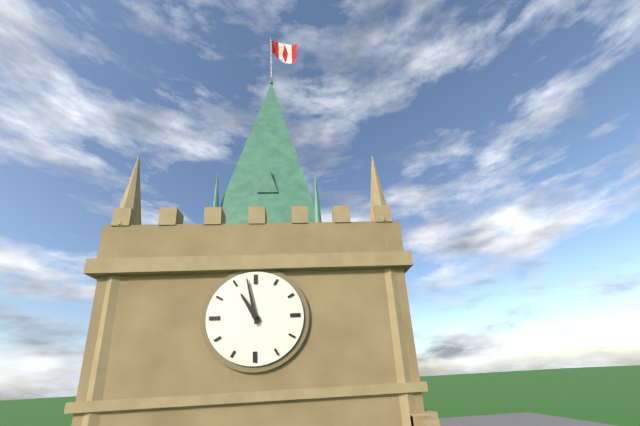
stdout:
10:58
